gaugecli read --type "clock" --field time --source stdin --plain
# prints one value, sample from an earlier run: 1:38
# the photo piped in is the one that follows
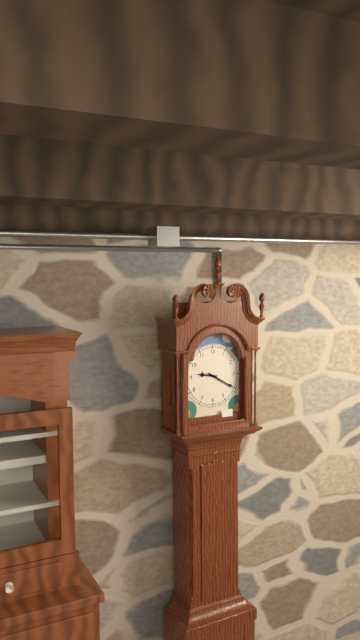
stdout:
9:20
